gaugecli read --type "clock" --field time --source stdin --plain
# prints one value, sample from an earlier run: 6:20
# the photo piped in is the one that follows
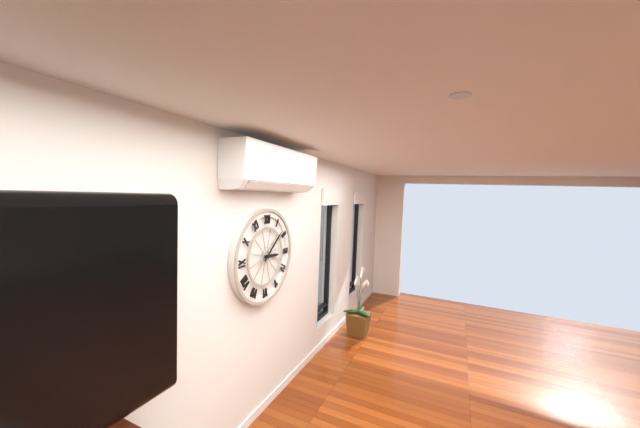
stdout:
3:08
